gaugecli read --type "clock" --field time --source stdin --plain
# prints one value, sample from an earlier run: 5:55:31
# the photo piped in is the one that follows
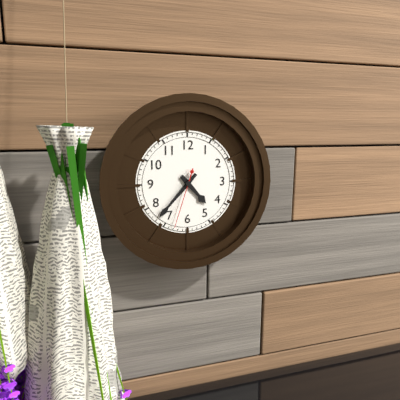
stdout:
4:37:33
